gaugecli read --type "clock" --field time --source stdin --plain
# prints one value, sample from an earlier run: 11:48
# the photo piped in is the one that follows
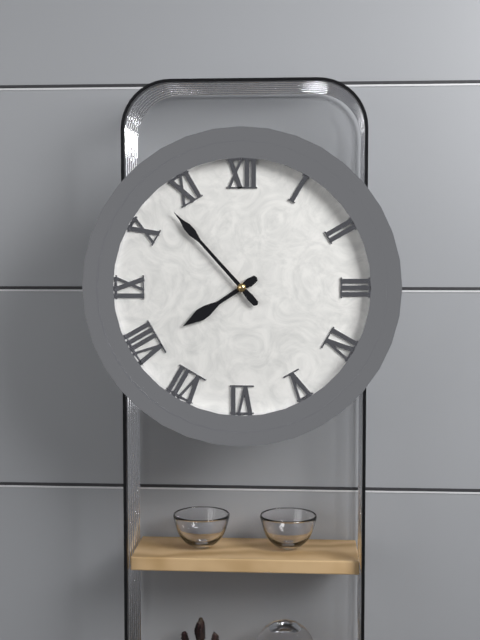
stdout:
7:53
